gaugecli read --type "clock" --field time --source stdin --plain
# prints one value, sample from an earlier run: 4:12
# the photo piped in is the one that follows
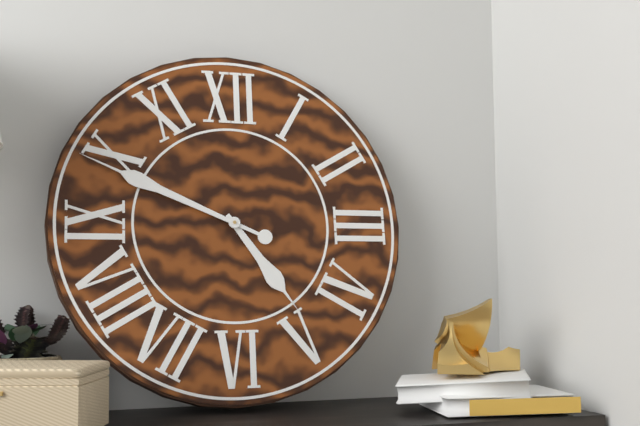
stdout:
4:49
